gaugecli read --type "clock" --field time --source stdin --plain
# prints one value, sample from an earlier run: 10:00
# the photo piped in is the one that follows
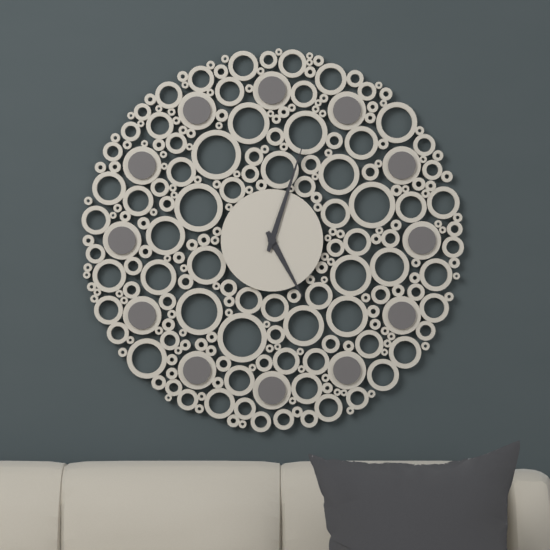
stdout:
5:03
